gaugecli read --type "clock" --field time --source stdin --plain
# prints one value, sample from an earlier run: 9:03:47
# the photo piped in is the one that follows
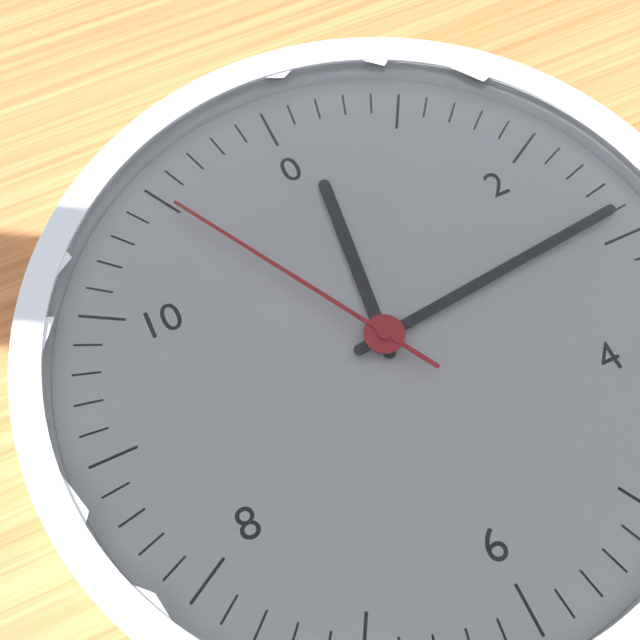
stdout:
12:14:55
